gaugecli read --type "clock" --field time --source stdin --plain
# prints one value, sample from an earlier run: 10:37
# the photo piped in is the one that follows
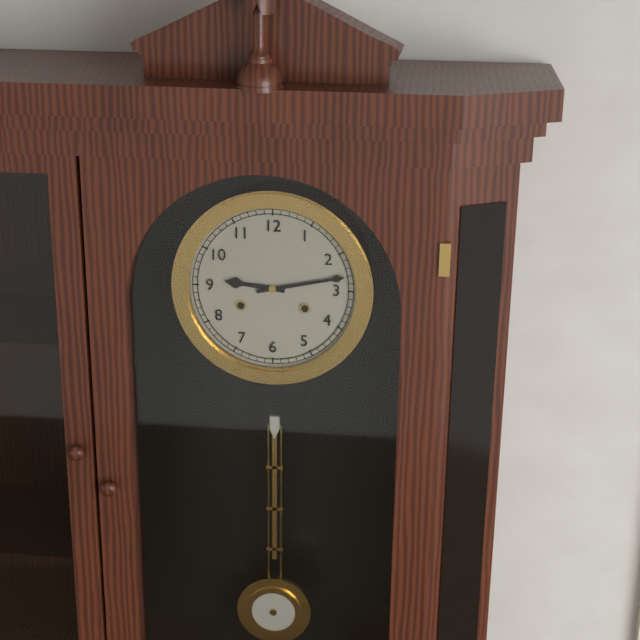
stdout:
9:13
